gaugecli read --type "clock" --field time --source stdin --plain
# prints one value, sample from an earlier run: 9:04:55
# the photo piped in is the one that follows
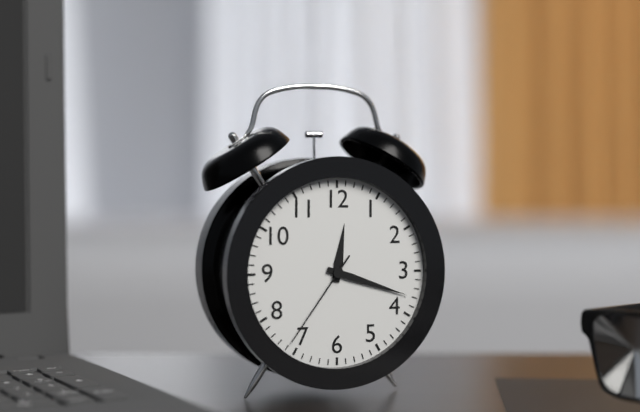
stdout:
12:18:36
